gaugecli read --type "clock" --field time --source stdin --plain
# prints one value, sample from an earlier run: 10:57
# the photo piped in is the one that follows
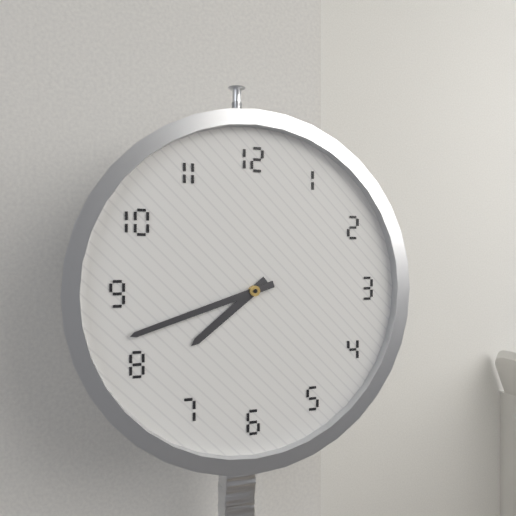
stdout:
7:42
